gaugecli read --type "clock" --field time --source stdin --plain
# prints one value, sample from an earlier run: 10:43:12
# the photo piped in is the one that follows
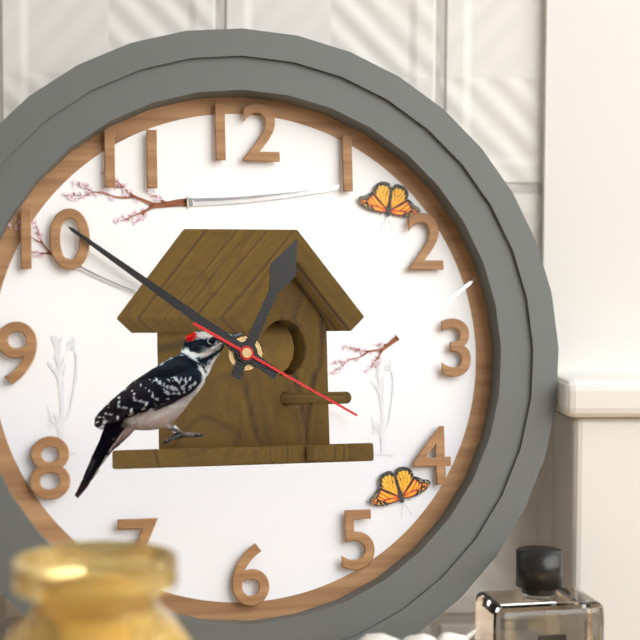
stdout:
12:51:20
